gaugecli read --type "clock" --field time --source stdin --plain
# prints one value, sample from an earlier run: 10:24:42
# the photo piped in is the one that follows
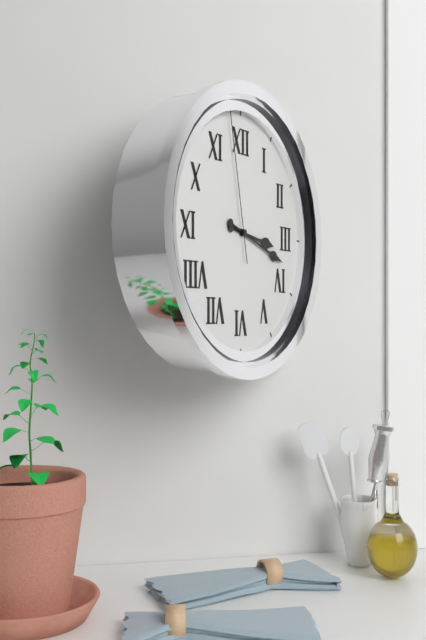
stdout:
3:18:58
